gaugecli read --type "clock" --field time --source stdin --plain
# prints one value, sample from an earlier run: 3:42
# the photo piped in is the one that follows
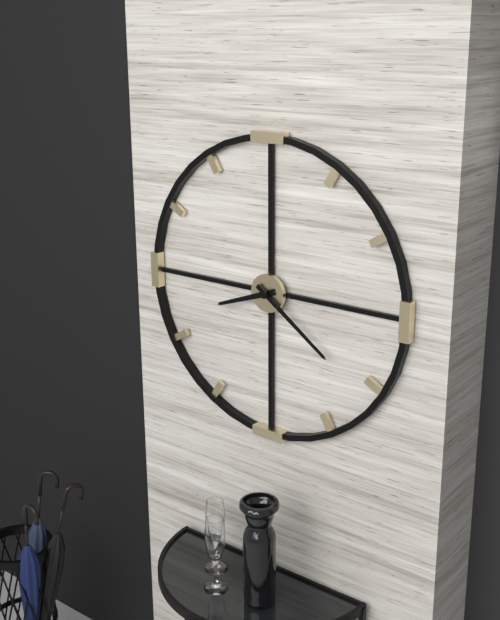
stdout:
8:21
